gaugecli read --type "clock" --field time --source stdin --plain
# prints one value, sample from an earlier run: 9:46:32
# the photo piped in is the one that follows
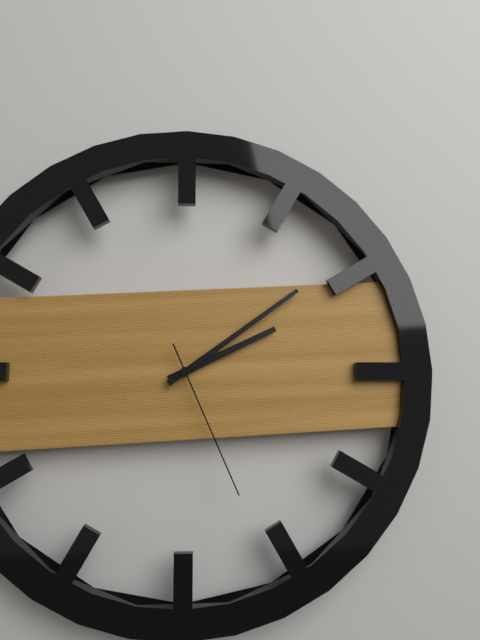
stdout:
2:09:26
